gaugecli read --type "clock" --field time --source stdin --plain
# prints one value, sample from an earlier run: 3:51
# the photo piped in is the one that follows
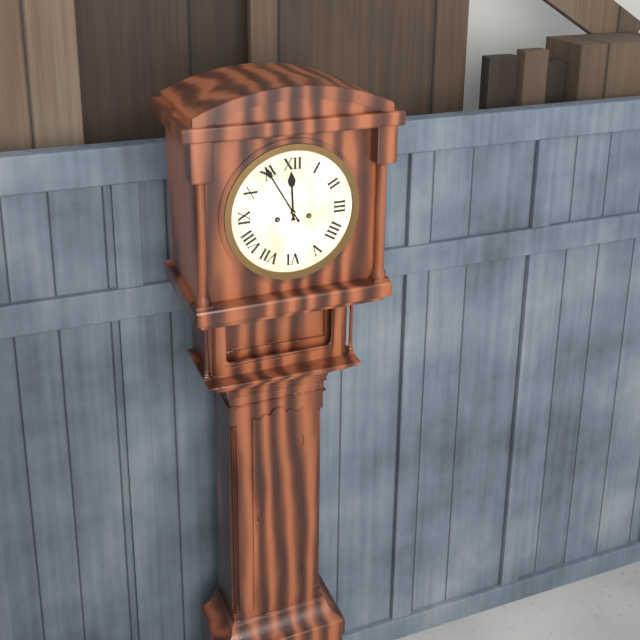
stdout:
11:55
